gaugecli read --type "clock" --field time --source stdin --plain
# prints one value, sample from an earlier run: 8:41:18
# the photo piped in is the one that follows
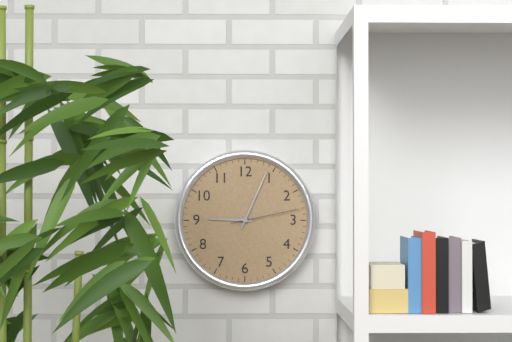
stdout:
9:04:13
